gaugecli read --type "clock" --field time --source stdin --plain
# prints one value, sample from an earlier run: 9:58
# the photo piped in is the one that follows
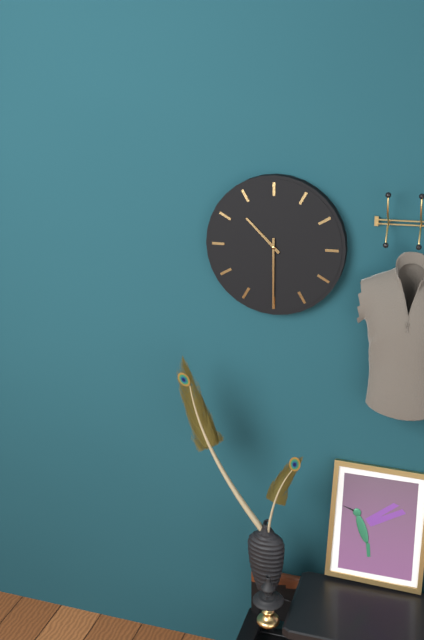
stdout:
10:30
